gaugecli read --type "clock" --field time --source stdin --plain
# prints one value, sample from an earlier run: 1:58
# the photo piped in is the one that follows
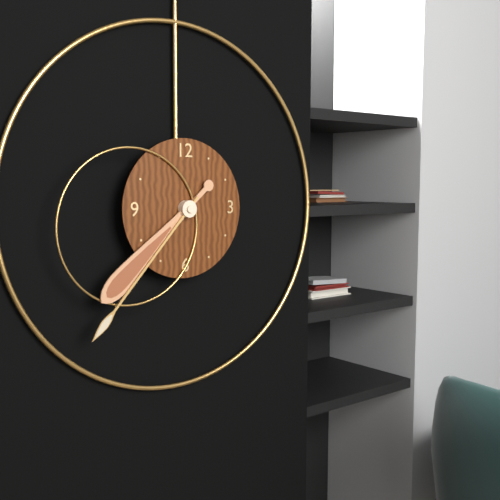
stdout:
7:37
